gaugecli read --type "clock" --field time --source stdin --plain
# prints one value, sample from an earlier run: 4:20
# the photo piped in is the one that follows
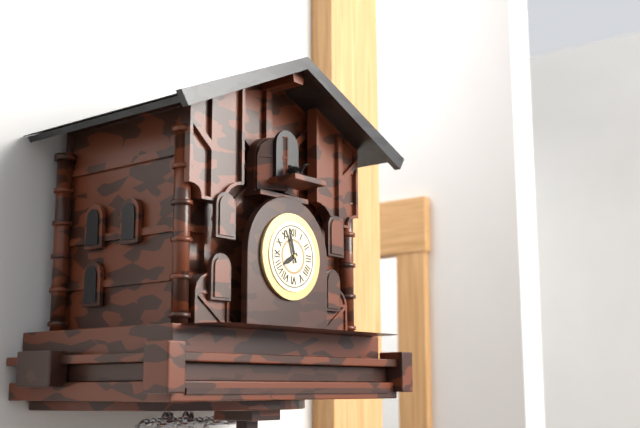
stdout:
7:57
